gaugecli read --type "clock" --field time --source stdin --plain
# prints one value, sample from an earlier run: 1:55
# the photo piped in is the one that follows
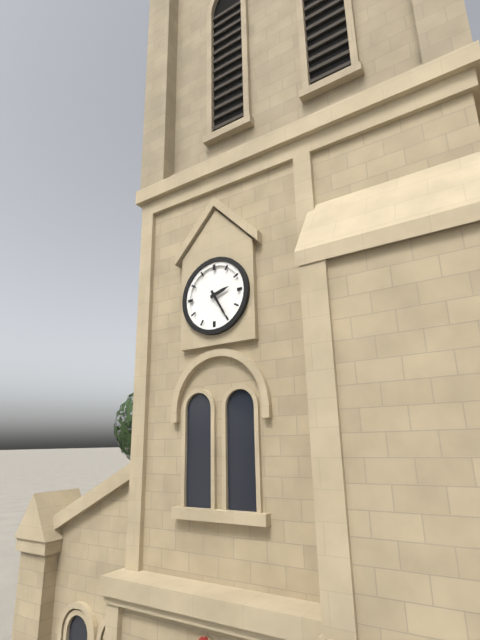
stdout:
2:25
